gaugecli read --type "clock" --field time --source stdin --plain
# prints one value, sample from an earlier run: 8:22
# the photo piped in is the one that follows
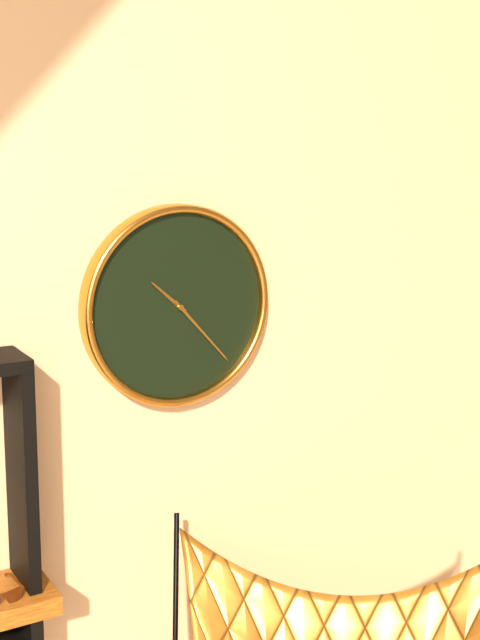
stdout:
10:23
